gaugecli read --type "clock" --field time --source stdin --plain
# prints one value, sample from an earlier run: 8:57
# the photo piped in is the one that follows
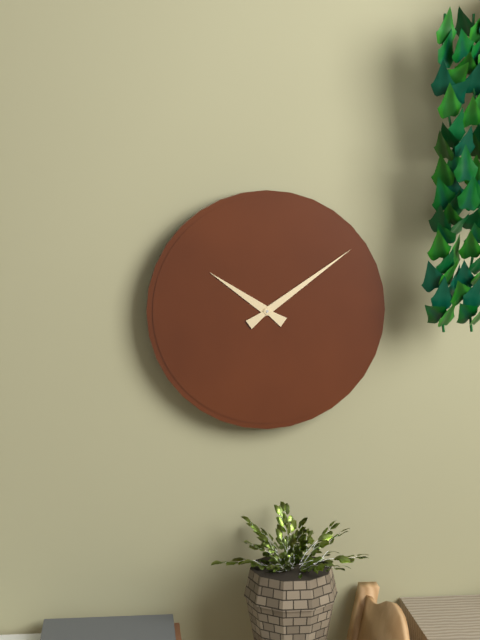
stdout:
10:09
